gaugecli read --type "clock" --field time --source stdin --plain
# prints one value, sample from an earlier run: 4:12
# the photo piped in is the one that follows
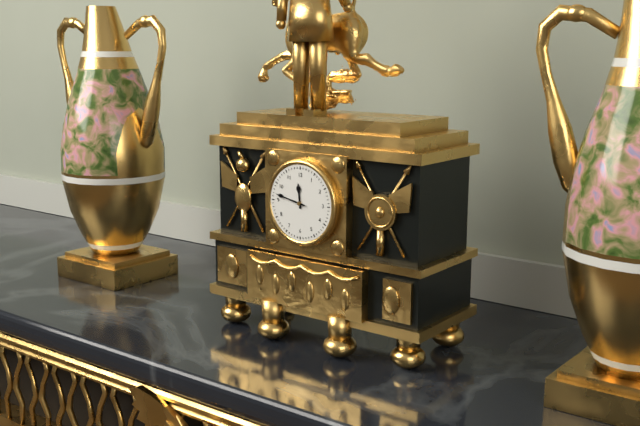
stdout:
11:47
